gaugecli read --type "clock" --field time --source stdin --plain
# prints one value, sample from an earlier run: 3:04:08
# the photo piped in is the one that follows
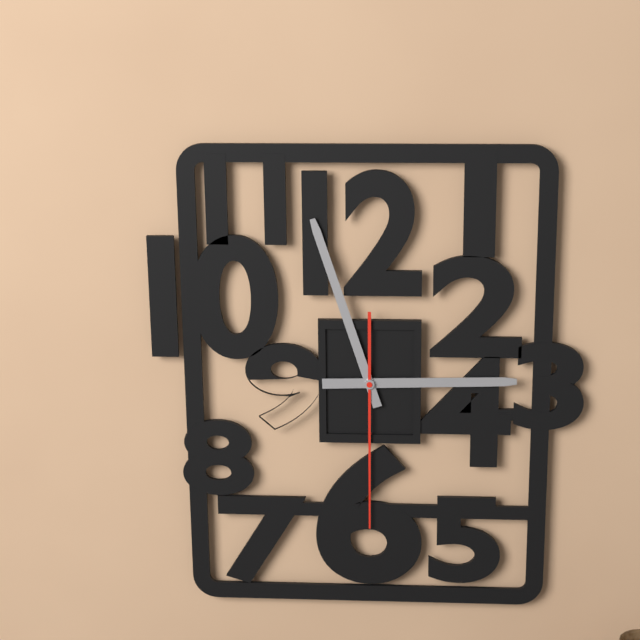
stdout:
2:57:30
